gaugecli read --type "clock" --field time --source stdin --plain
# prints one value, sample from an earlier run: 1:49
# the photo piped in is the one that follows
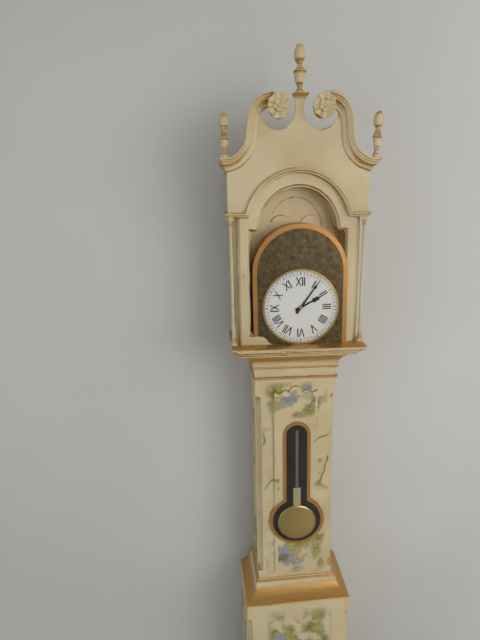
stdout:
2:06
